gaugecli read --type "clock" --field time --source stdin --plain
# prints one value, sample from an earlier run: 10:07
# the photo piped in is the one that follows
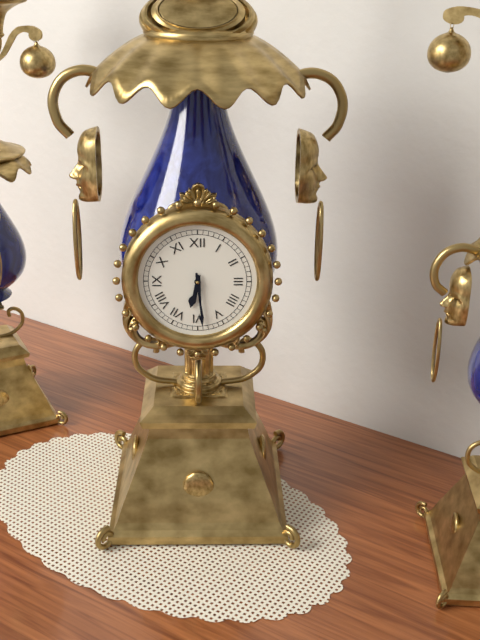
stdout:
6:29
